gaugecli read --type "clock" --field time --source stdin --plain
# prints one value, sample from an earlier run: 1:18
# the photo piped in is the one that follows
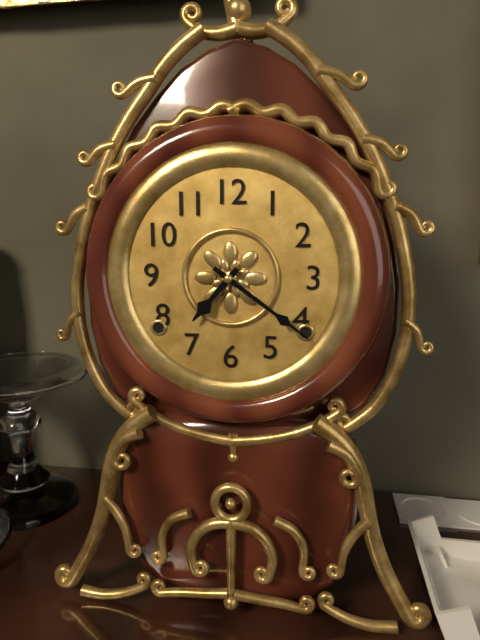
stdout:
7:21
